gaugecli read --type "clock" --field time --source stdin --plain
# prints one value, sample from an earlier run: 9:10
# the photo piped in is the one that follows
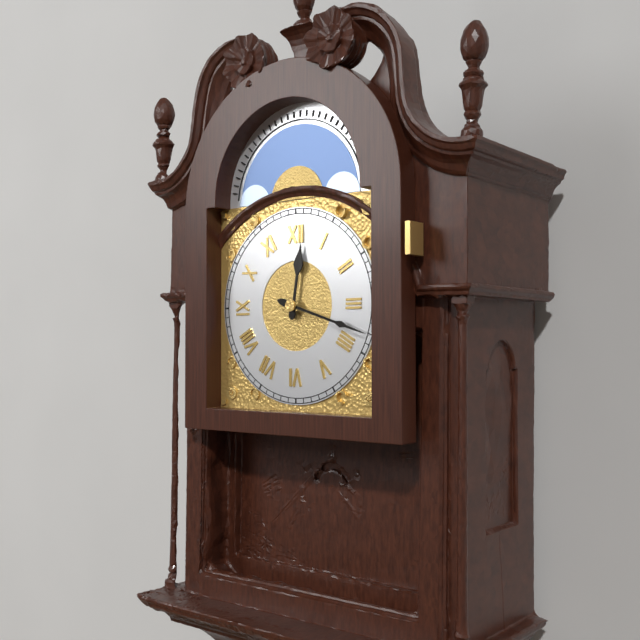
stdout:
12:18
